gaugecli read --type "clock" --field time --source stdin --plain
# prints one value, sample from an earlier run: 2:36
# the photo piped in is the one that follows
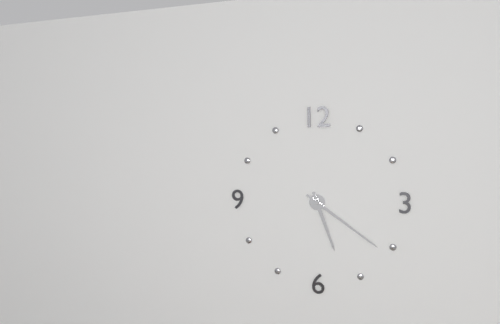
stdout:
5:21
